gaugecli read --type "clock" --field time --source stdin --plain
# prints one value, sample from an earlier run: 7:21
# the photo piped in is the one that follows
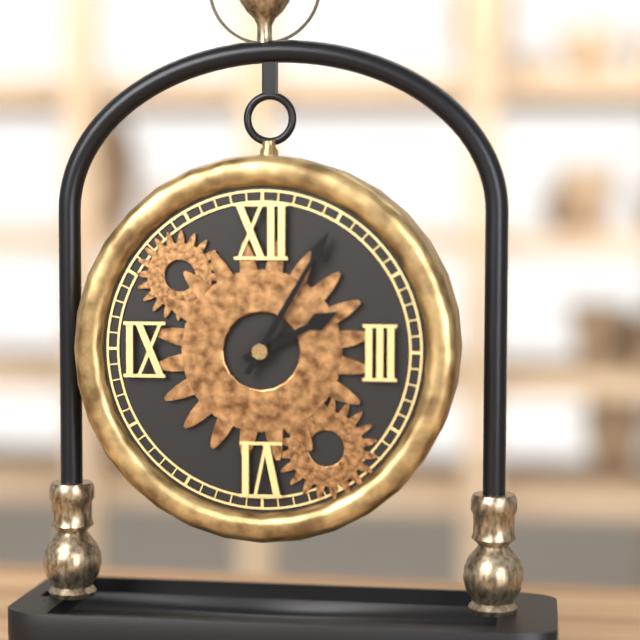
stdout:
2:05
